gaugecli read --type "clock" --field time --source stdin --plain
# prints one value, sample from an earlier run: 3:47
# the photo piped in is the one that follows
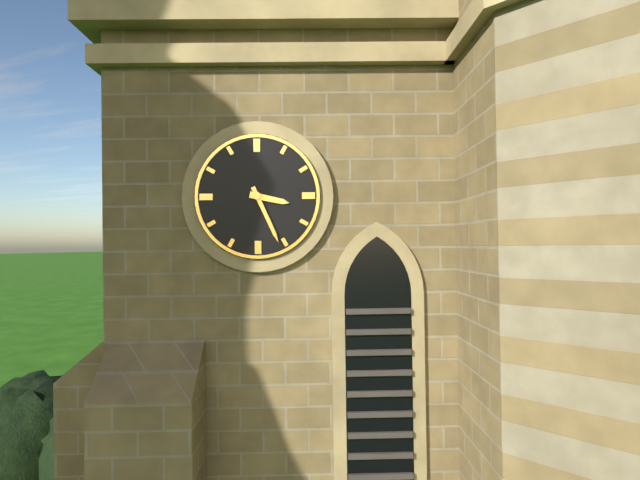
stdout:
3:26
